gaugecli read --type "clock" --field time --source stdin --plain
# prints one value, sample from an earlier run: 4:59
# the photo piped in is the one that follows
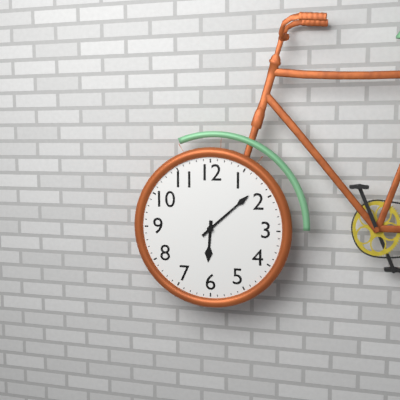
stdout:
6:08
